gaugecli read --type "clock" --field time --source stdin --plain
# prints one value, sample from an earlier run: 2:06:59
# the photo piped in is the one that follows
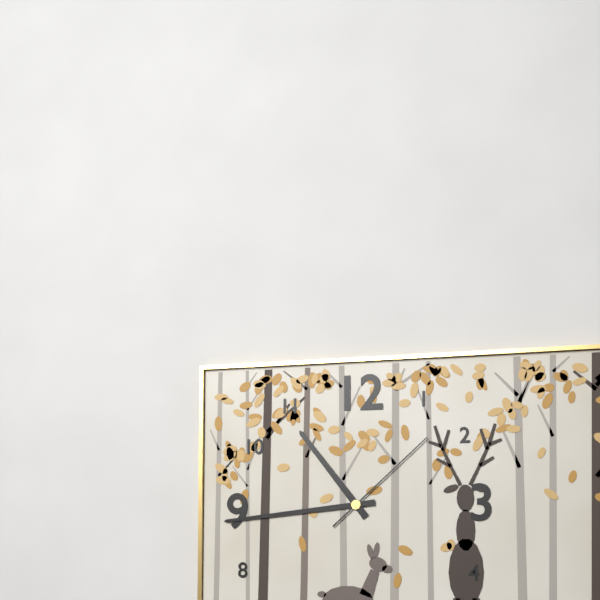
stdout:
10:44:08
